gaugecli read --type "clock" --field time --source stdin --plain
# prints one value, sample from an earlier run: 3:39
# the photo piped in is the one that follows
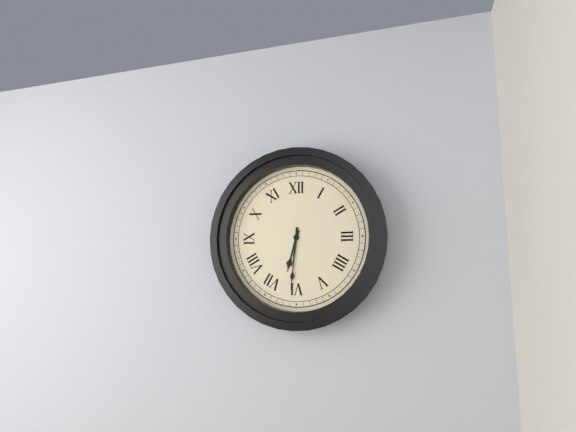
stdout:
6:31
